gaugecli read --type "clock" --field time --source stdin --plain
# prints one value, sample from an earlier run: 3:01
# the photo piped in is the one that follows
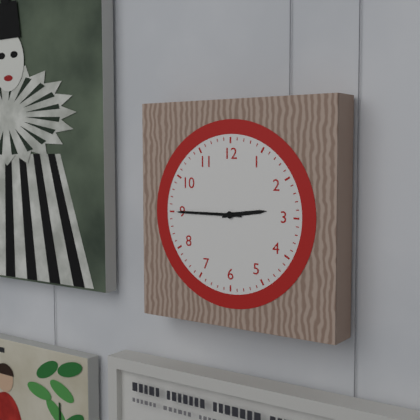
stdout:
2:45
